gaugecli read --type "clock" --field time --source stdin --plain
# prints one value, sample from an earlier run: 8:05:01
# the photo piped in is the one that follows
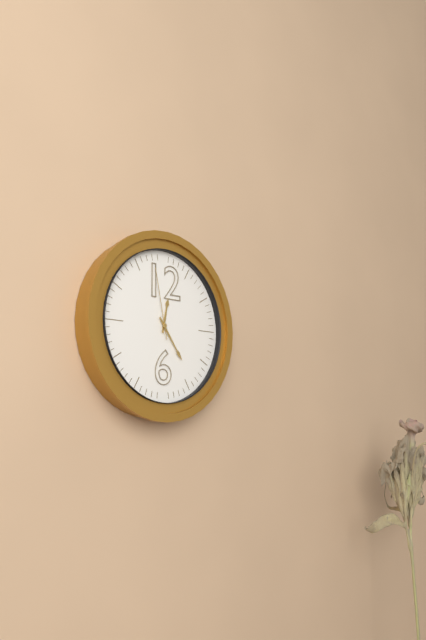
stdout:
12:24:58
